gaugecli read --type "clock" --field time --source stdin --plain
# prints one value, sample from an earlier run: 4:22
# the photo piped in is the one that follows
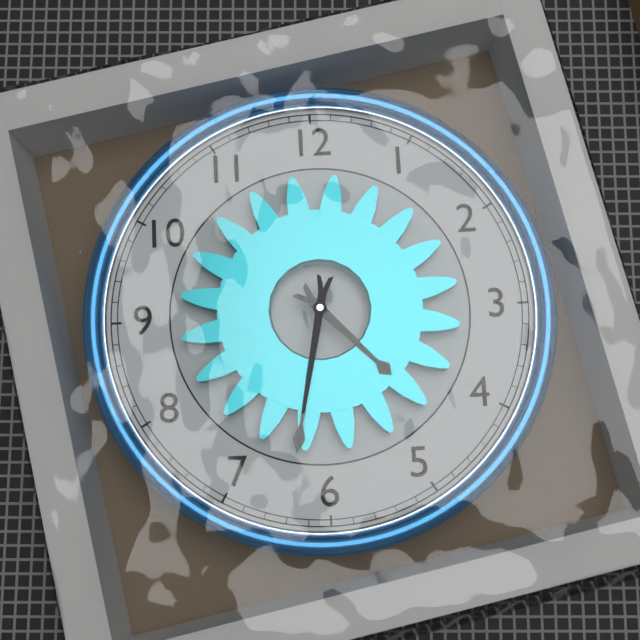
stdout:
4:32
